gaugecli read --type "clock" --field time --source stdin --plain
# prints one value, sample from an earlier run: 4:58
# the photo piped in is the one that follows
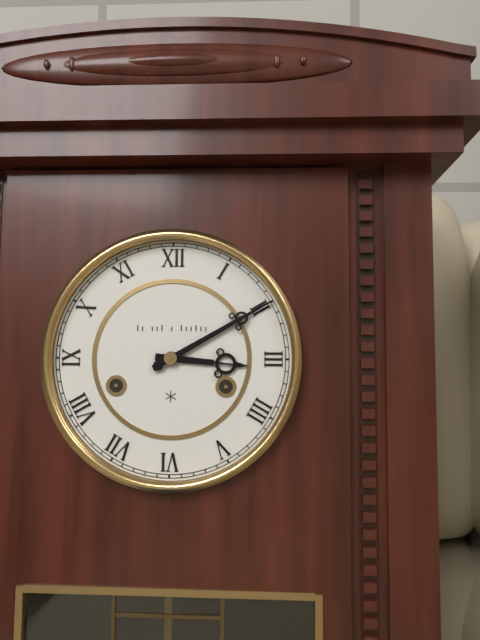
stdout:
3:10
